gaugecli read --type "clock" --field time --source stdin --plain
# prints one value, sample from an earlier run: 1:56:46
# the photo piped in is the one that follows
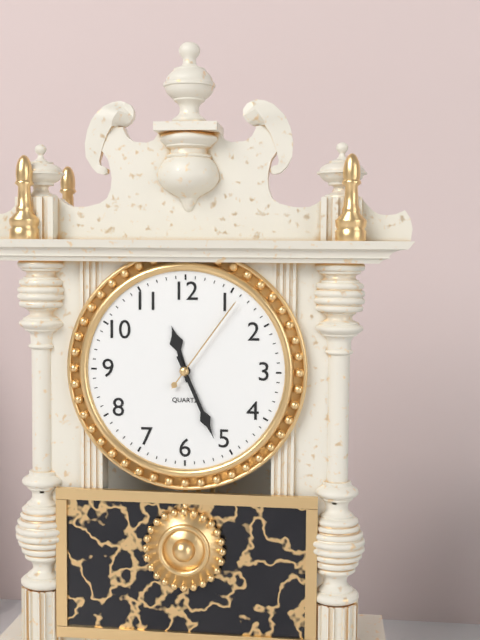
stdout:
11:26:06
